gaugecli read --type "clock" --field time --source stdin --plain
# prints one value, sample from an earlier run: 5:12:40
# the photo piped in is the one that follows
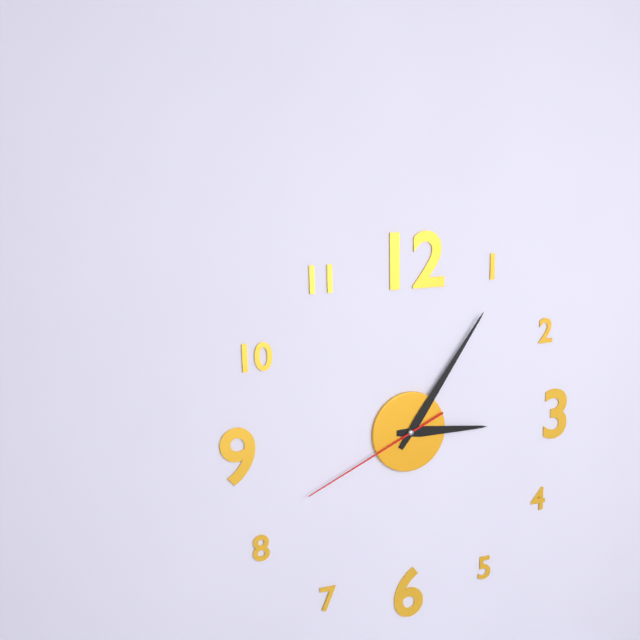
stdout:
3:06:41
